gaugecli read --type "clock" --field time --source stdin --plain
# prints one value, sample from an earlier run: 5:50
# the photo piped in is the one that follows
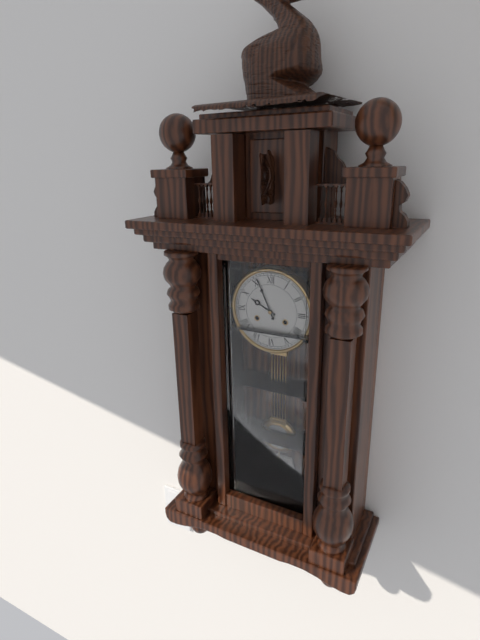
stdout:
9:56
